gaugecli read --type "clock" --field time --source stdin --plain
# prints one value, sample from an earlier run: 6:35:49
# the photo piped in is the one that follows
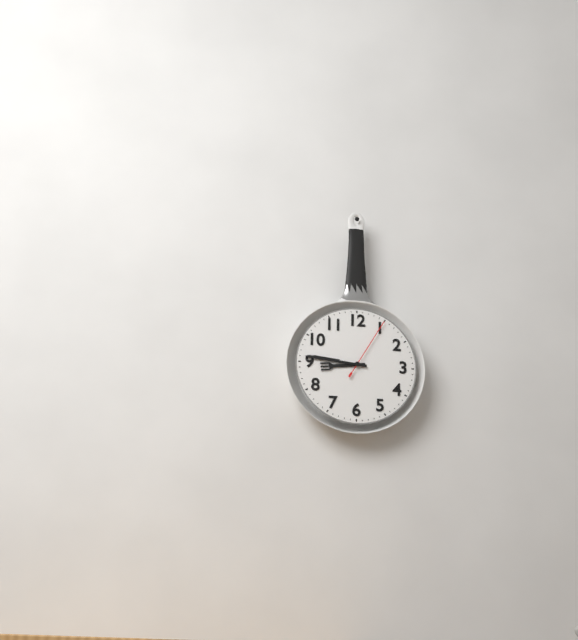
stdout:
8:46:05
